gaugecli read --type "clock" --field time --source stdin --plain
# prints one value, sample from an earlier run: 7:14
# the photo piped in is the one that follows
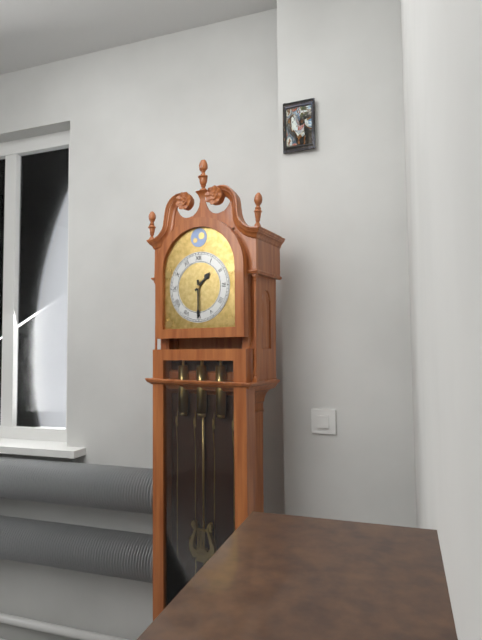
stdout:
1:30
